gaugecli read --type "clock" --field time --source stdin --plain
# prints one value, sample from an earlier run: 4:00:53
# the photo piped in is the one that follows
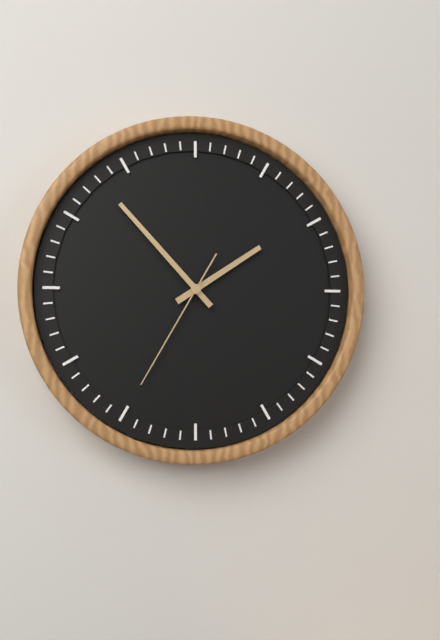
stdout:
1:53:35
